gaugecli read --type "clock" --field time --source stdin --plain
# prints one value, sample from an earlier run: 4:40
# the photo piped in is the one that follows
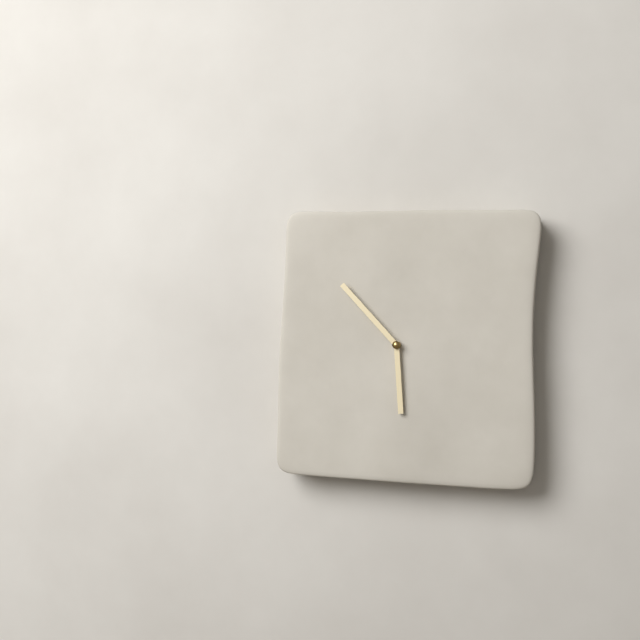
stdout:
5:53
